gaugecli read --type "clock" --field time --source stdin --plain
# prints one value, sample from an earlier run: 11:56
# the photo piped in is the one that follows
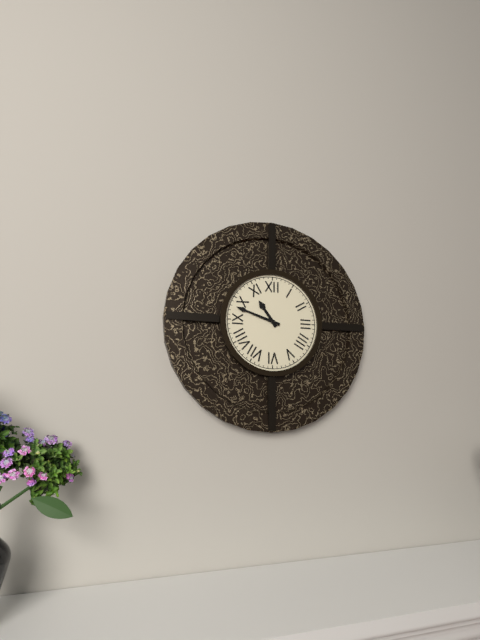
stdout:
10:48
